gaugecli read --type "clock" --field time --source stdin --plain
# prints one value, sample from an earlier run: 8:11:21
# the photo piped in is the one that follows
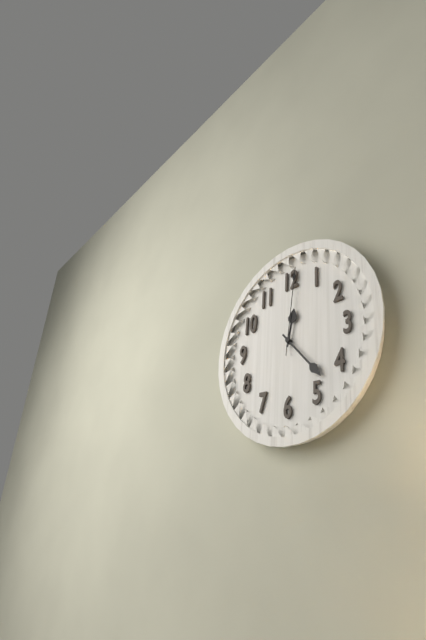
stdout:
12:23:01
